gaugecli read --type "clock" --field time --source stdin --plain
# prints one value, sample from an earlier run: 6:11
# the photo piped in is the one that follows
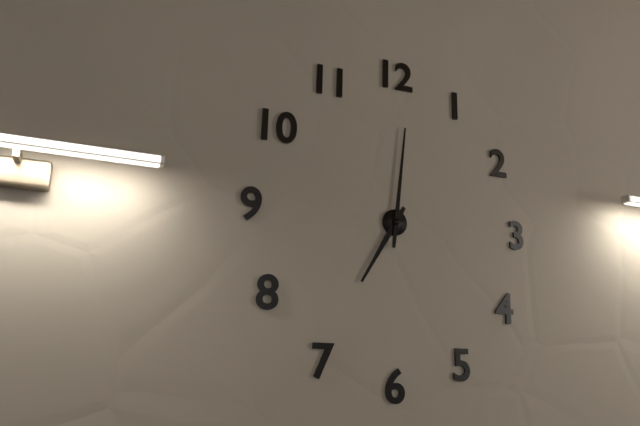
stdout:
7:01
